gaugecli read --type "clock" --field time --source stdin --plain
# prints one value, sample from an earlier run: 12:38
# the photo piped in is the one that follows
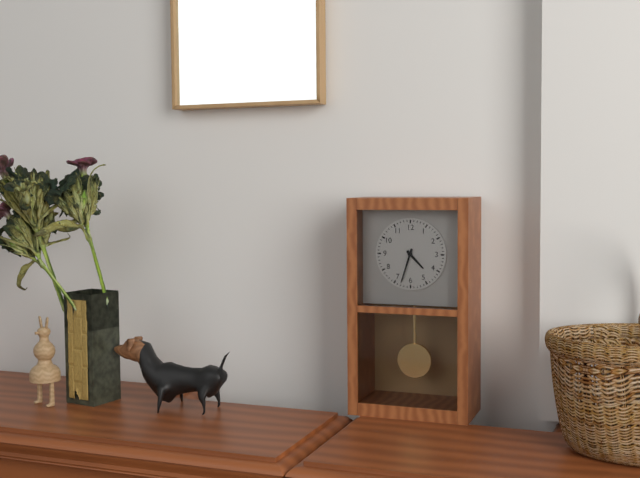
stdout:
4:33
